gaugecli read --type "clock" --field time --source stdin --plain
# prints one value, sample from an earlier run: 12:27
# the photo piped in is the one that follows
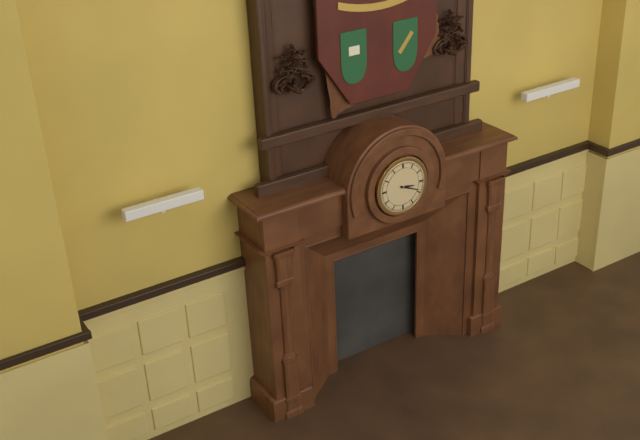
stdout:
3:19
